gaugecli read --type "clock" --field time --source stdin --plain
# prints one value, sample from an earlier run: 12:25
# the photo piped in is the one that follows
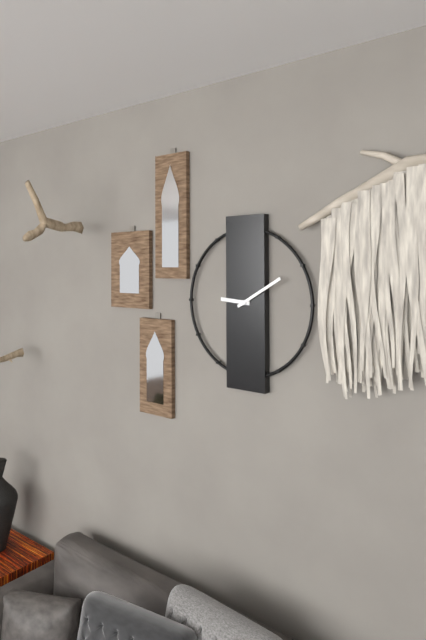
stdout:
9:10
